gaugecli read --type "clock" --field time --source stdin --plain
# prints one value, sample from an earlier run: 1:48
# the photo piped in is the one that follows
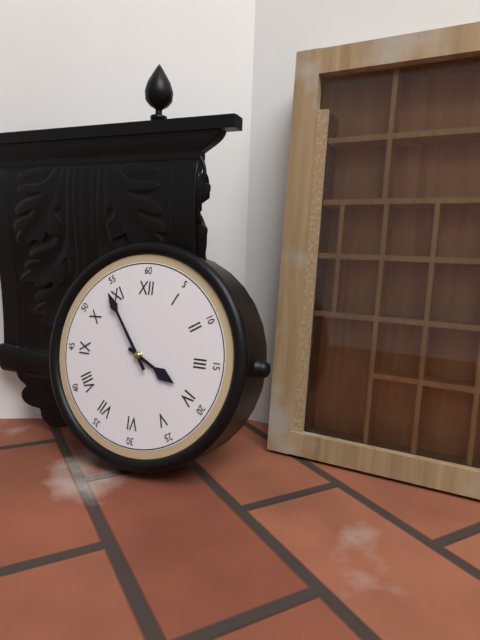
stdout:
3:54
